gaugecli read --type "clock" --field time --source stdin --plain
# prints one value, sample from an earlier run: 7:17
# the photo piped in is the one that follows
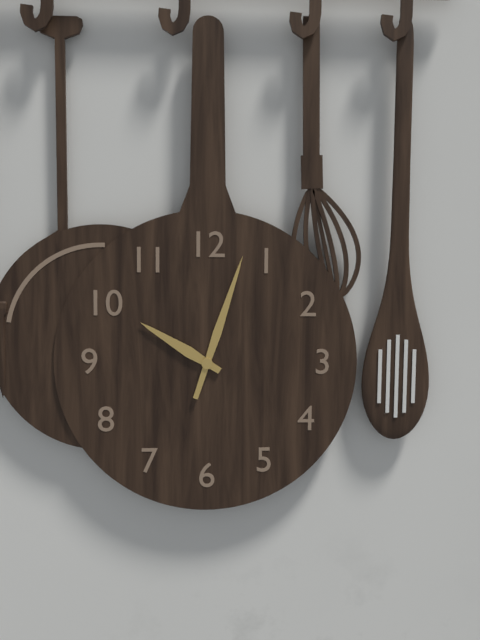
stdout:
10:03
